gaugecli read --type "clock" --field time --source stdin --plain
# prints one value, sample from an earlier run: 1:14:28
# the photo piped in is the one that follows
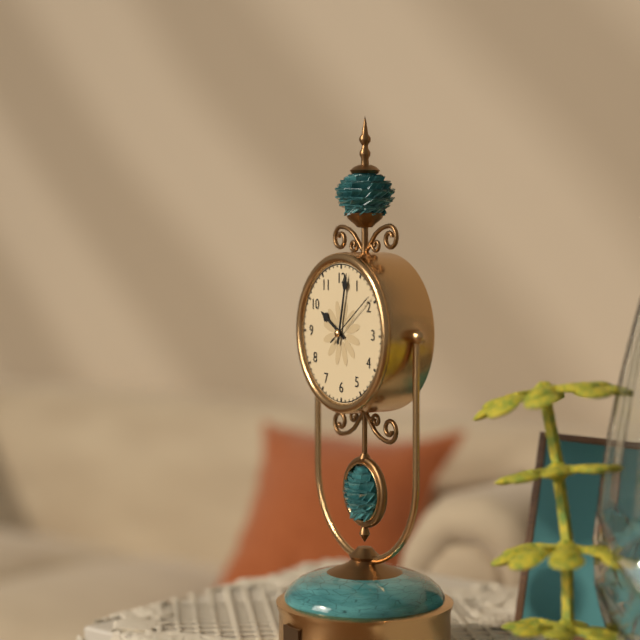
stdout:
10:02:09
